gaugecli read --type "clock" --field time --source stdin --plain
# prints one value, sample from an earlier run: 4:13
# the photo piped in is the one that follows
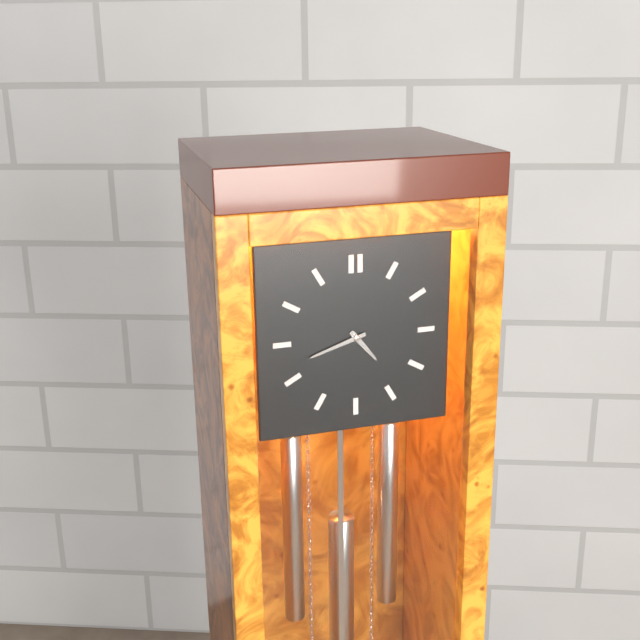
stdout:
4:42
